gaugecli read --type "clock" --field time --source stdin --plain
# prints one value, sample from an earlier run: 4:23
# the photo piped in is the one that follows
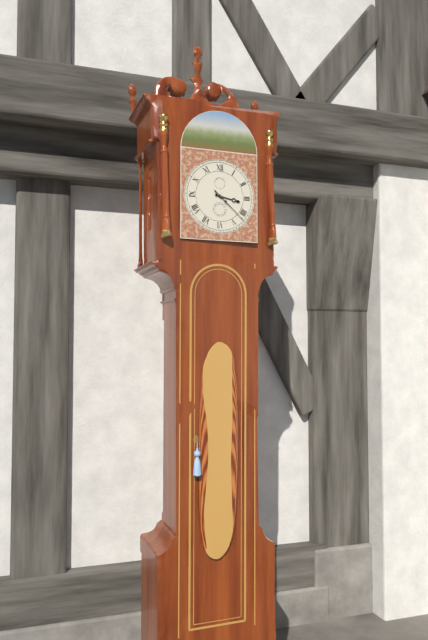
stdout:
3:22
